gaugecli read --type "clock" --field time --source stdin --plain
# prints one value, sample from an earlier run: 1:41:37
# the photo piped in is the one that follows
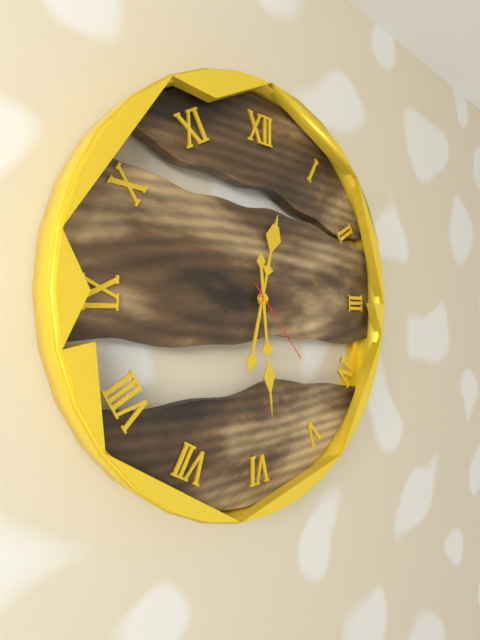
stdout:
12:29:23
